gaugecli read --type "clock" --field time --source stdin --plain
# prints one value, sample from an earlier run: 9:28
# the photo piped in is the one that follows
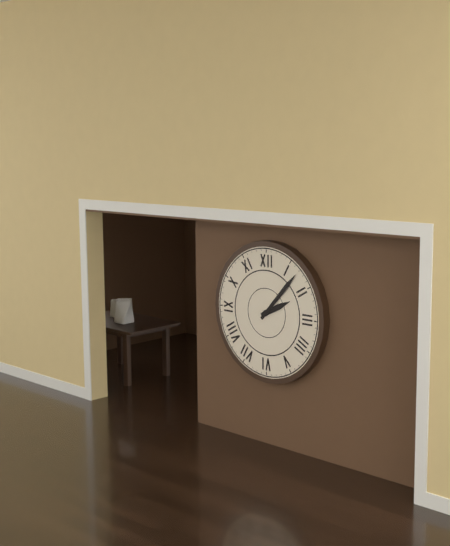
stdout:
2:07
